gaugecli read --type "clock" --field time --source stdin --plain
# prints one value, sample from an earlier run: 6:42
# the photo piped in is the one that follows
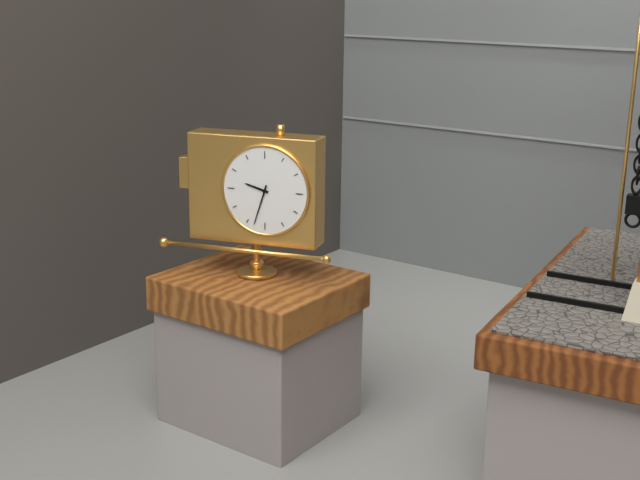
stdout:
9:33
